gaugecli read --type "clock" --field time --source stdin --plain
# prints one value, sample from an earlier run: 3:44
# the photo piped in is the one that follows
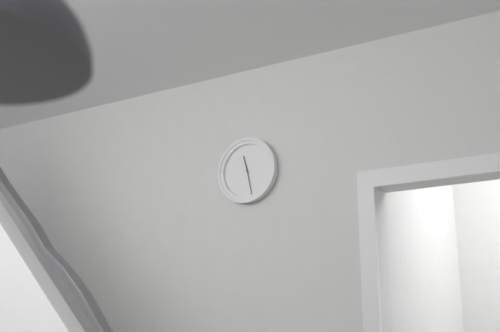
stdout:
11:28
